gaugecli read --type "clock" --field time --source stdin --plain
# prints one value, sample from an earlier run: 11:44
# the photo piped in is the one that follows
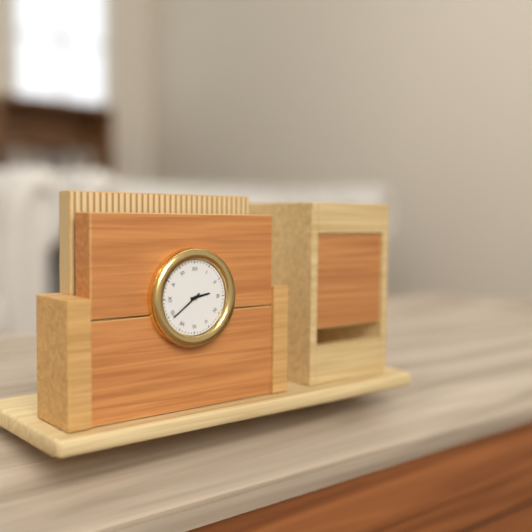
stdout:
2:39
